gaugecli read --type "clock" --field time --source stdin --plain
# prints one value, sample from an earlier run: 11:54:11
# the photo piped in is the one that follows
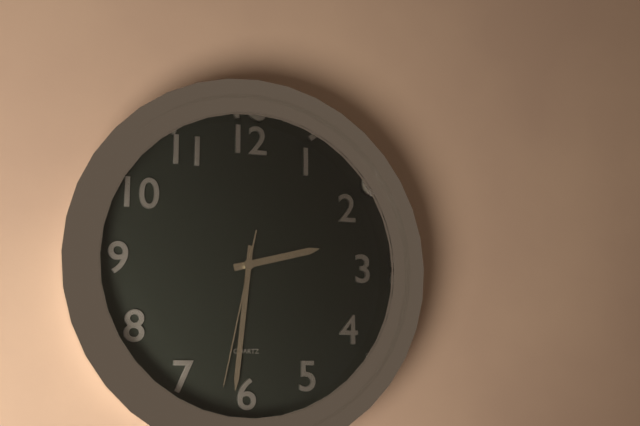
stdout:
2:31:32
